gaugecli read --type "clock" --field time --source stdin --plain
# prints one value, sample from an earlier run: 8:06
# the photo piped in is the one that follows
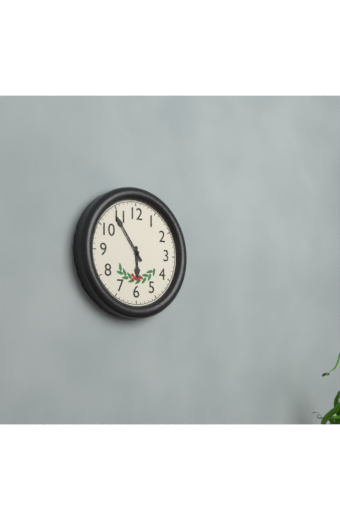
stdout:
5:54
